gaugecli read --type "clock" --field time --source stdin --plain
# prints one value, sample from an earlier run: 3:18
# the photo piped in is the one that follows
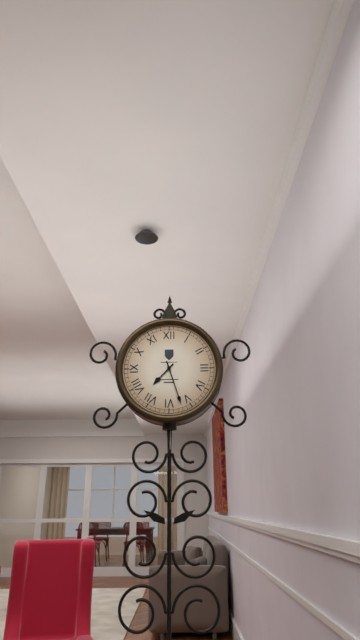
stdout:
7:27
